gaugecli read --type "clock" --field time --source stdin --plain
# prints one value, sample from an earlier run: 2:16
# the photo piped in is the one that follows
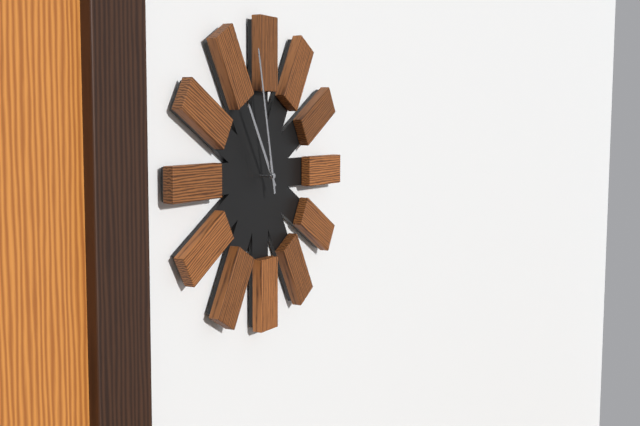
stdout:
10:58
